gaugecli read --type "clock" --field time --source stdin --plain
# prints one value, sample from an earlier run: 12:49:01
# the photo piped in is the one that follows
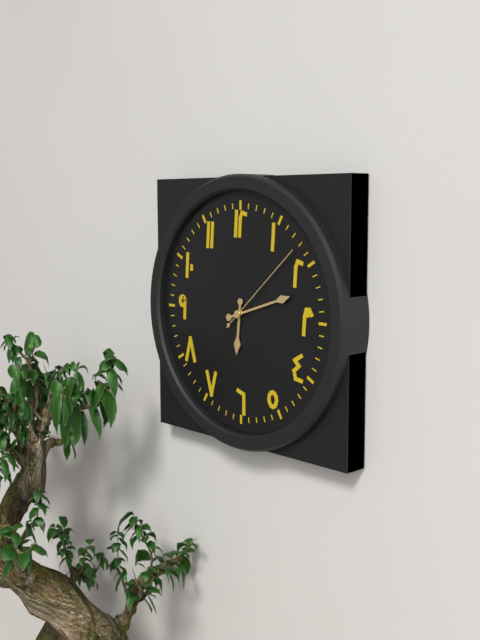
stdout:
6:12:08
